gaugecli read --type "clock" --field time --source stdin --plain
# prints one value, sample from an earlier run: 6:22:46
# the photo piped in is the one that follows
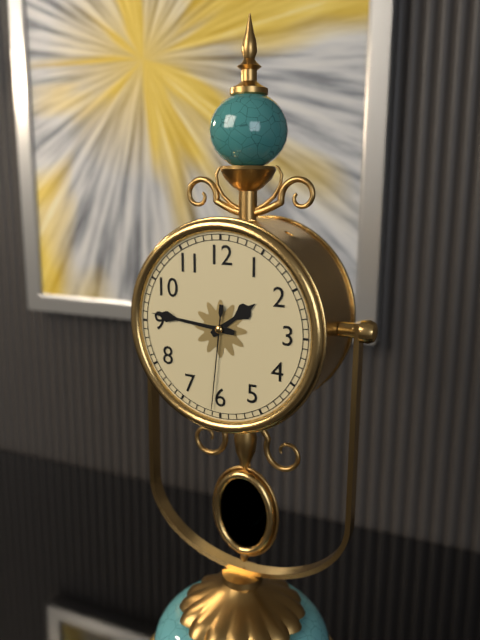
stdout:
1:46:31
